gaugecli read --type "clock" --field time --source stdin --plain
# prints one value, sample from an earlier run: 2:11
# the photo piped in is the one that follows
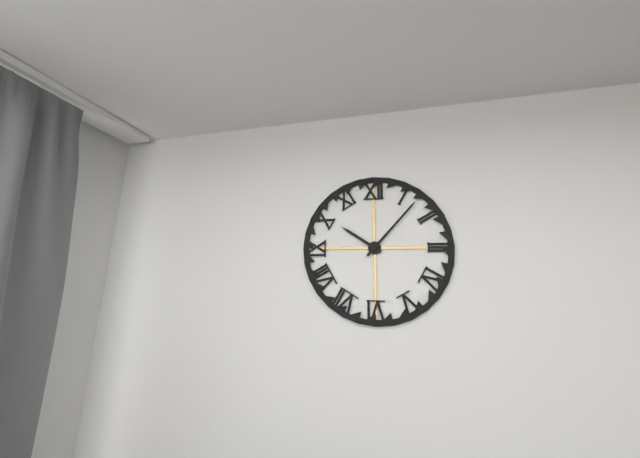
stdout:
10:07
